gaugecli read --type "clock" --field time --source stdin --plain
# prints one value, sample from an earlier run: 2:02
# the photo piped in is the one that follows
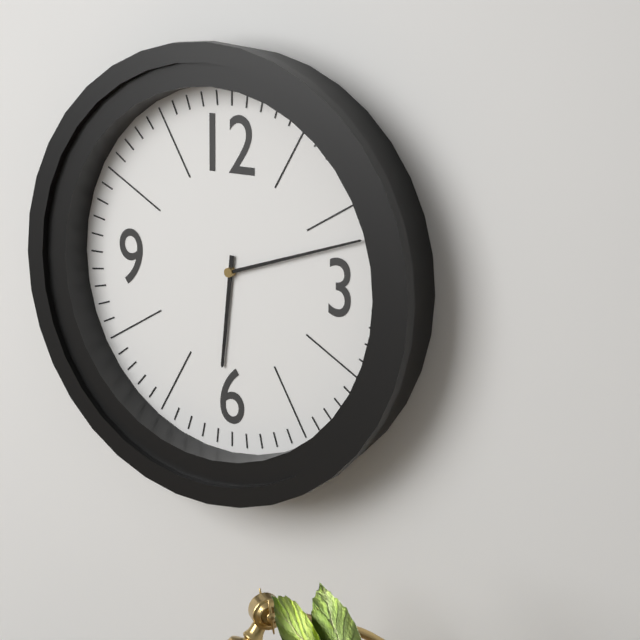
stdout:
6:12
